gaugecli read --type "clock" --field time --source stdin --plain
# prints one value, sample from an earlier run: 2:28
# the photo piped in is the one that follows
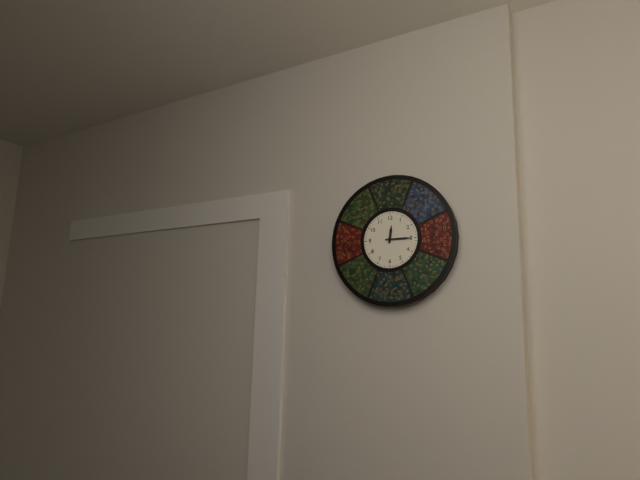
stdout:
12:15
